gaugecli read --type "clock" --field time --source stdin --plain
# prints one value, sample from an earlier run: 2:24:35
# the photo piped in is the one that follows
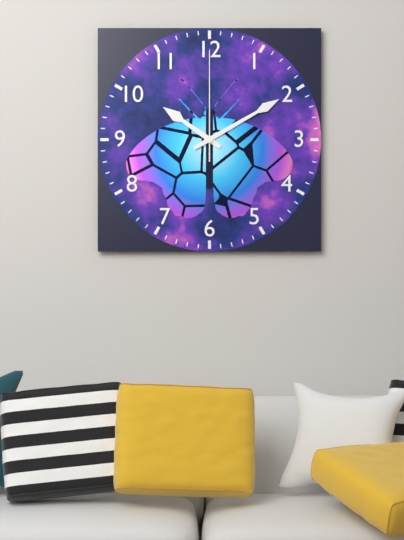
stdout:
10:10:00
